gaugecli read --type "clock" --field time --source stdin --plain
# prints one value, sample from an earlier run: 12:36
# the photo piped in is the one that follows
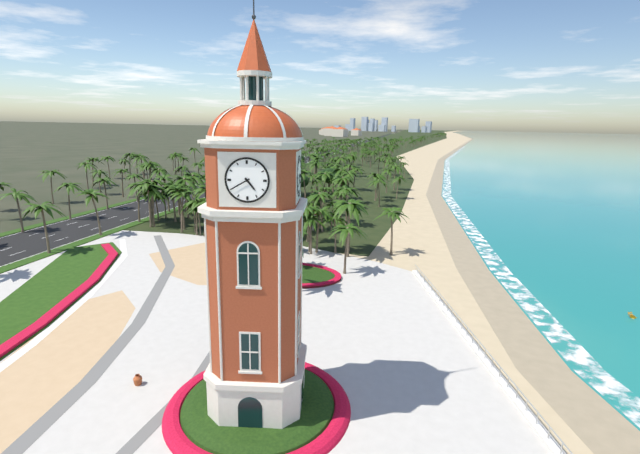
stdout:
4:40
